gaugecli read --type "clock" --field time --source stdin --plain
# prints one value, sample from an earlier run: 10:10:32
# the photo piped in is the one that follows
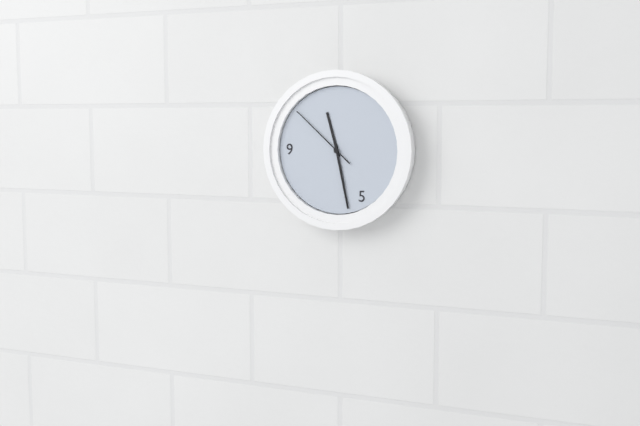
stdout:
11:28:52
